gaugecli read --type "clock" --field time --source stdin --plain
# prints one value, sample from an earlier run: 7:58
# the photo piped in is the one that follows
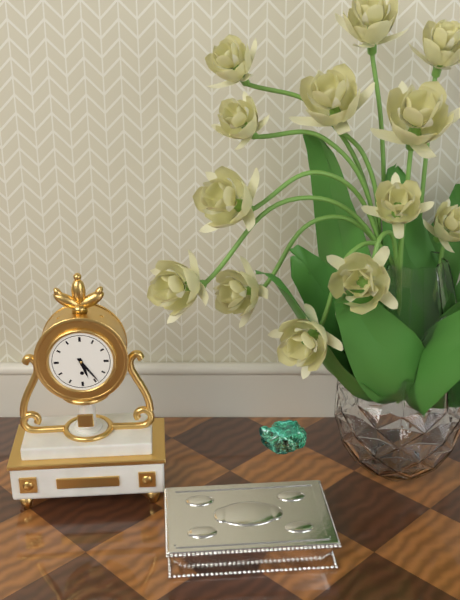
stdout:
5:24
